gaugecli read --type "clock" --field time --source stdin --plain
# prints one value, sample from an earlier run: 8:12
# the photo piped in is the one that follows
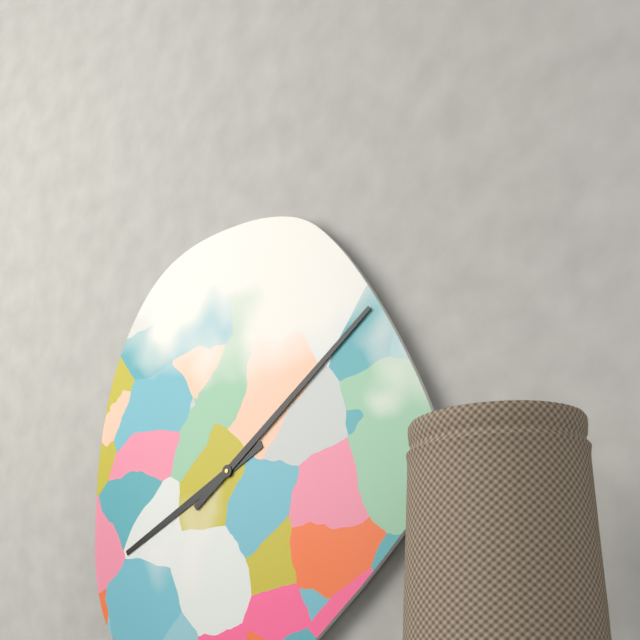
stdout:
8:09
